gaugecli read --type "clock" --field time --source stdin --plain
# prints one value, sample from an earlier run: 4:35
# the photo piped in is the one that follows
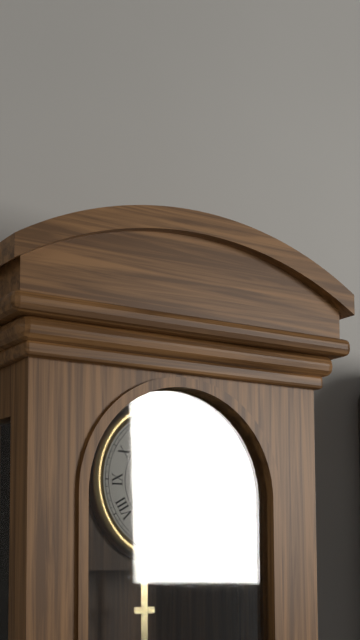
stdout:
12:08
